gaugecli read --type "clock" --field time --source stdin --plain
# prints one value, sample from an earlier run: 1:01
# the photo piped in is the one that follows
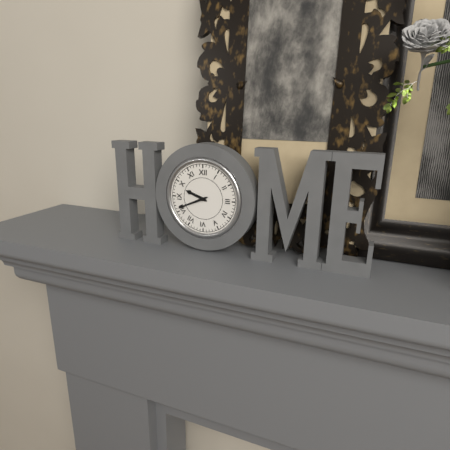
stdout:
9:41
